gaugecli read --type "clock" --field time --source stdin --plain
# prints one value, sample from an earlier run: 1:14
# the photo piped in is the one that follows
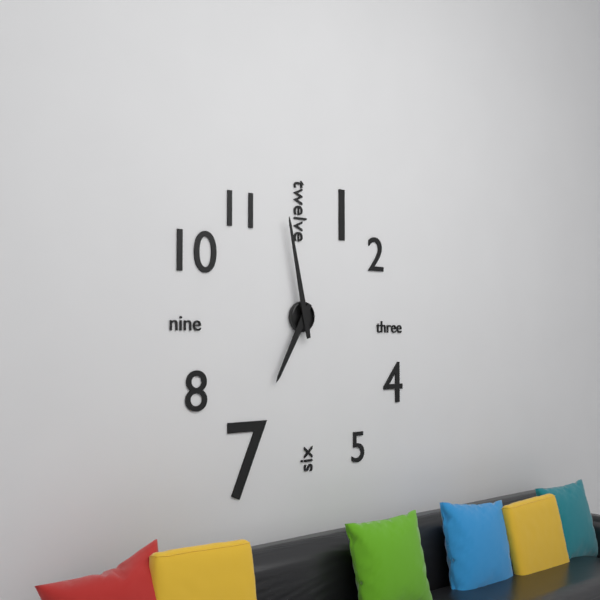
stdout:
6:58
